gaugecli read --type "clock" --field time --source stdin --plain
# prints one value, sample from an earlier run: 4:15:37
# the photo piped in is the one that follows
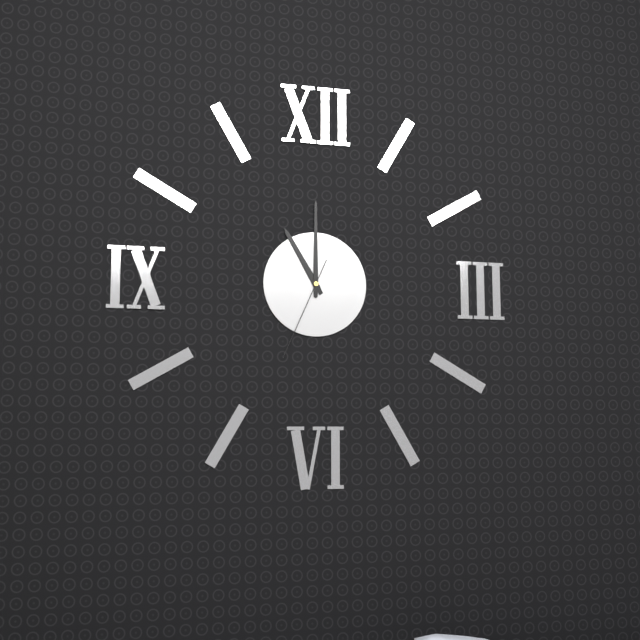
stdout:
11:00:34
